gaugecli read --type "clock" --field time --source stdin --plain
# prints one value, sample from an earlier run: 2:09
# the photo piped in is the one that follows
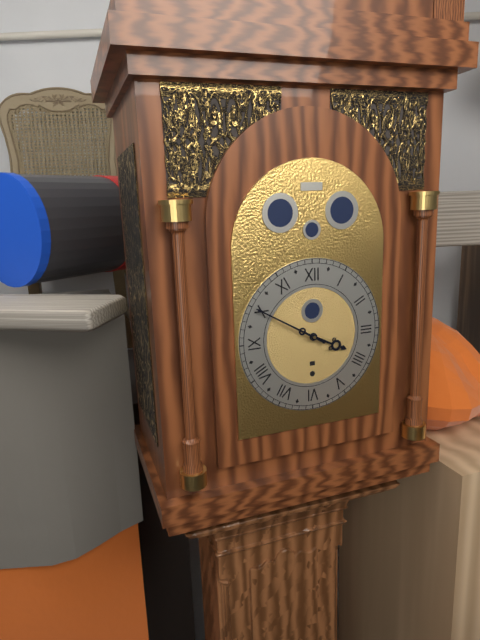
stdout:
3:50
